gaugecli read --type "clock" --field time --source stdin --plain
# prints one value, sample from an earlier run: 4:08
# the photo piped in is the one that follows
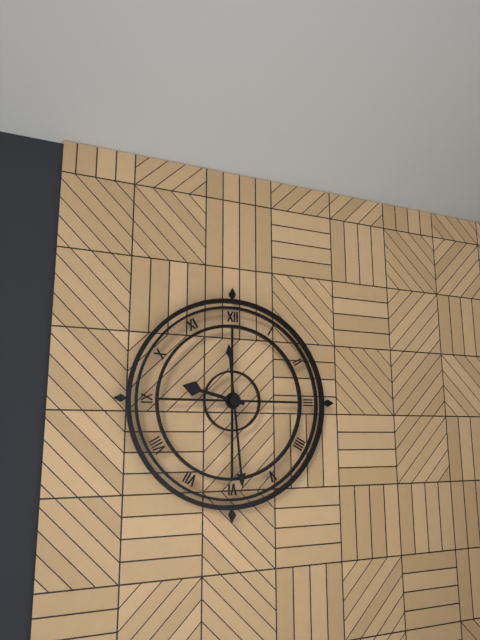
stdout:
9:29
